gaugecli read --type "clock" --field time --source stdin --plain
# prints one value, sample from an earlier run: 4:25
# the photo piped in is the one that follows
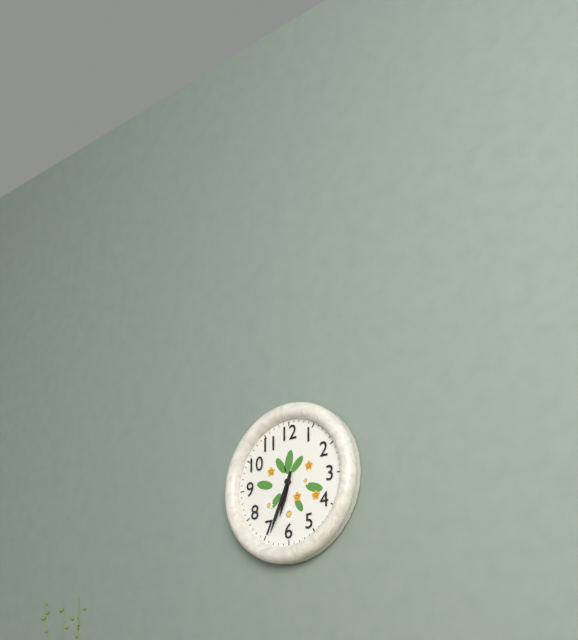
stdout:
6:34
